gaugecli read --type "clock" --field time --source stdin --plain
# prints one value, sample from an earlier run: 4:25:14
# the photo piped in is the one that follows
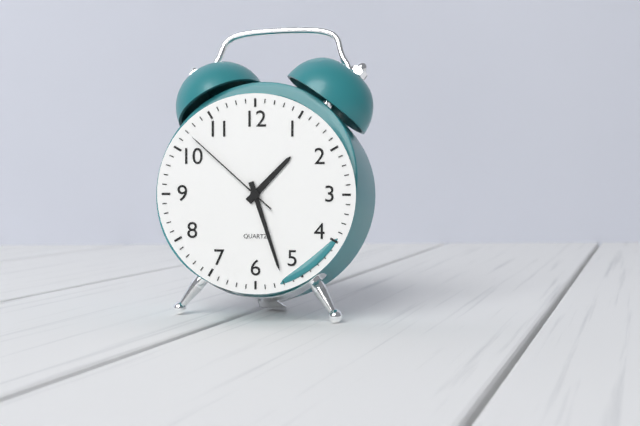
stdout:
1:27:52
